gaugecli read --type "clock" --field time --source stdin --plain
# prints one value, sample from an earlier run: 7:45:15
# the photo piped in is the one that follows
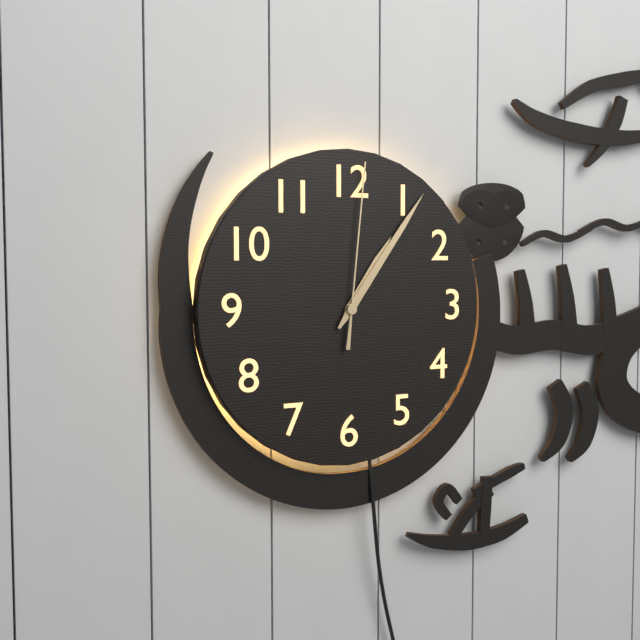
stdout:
1:06:01
